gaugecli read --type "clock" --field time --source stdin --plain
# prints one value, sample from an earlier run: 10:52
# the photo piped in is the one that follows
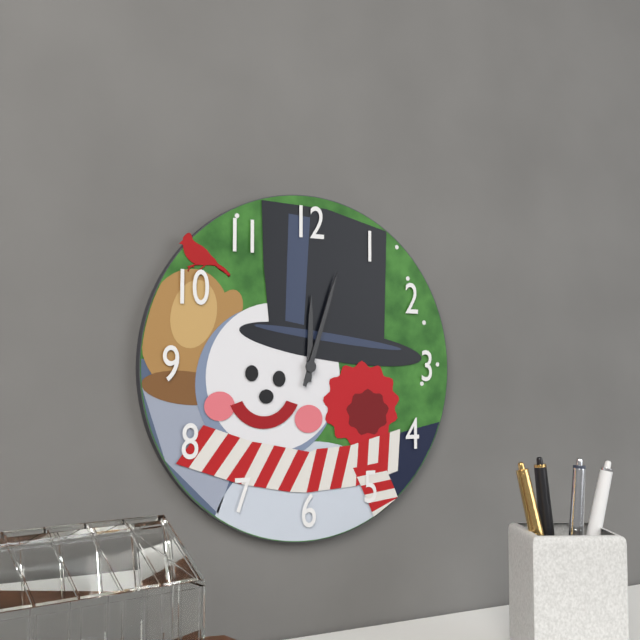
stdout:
12:03
